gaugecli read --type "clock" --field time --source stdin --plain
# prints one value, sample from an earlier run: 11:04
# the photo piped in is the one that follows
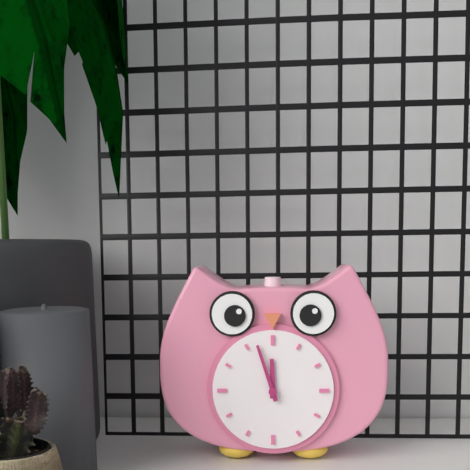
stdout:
11:57
